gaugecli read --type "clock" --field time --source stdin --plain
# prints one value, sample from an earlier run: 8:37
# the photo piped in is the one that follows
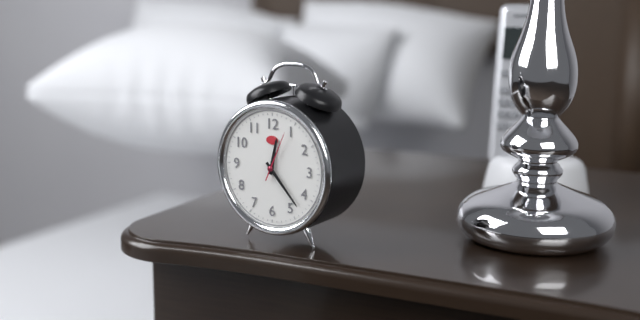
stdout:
12:23
